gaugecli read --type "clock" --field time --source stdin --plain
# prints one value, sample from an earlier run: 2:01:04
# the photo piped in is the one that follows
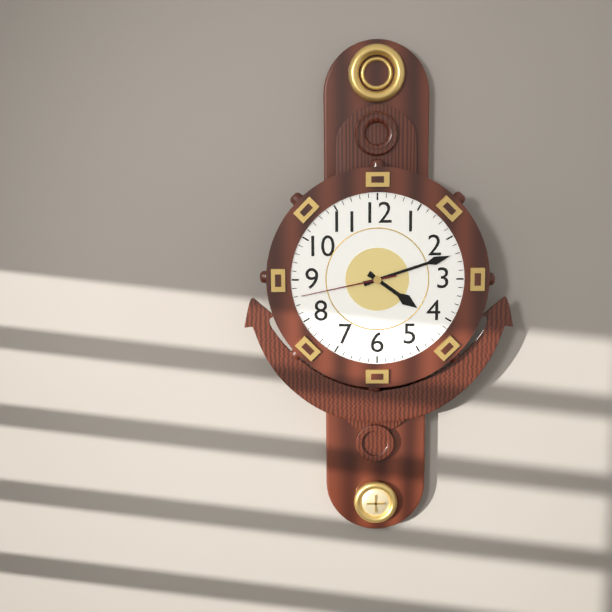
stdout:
4:12:43
